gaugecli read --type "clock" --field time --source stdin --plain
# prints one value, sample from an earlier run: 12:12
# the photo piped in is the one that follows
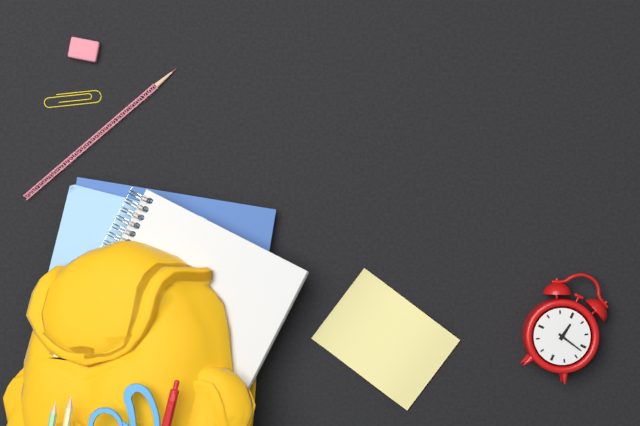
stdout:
12:17
